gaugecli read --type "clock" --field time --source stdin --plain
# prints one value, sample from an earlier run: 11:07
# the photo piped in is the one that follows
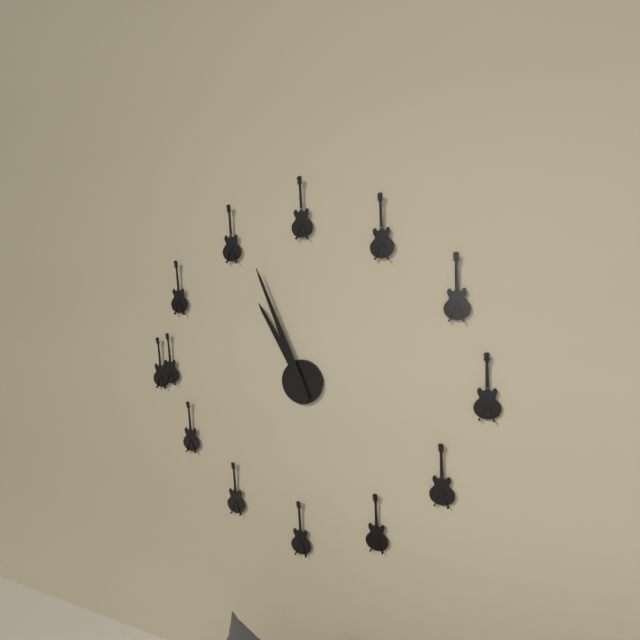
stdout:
10:56
